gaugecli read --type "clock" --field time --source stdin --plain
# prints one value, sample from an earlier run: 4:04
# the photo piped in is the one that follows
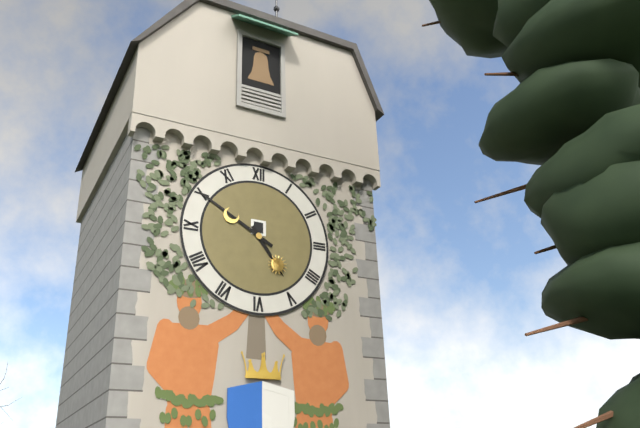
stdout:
4:50
